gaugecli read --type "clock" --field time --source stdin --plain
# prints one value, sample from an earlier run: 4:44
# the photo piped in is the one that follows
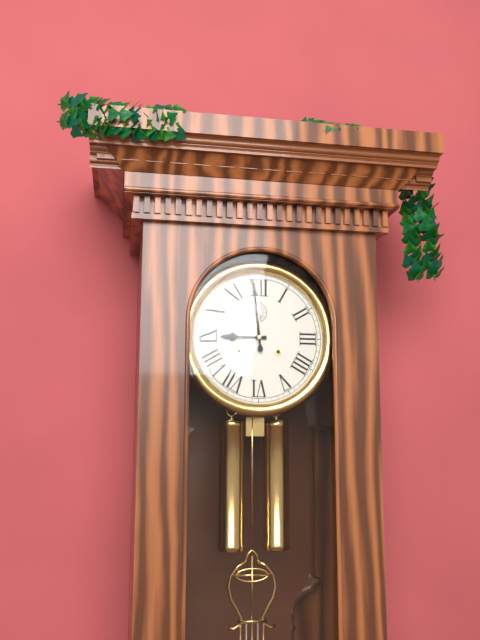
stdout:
8:59
